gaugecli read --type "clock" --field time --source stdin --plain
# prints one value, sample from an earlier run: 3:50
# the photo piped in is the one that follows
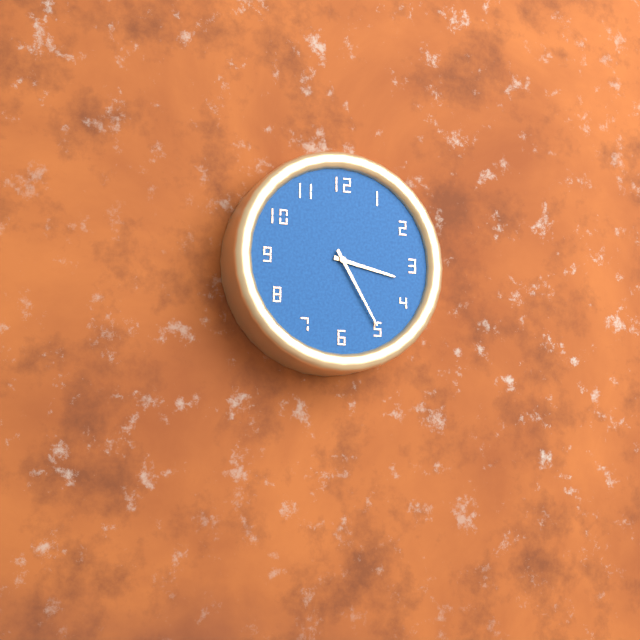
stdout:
3:25
